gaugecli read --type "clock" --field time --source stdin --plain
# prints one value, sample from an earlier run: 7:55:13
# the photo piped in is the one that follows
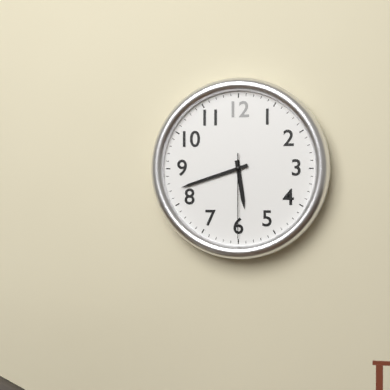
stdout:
5:42:30
